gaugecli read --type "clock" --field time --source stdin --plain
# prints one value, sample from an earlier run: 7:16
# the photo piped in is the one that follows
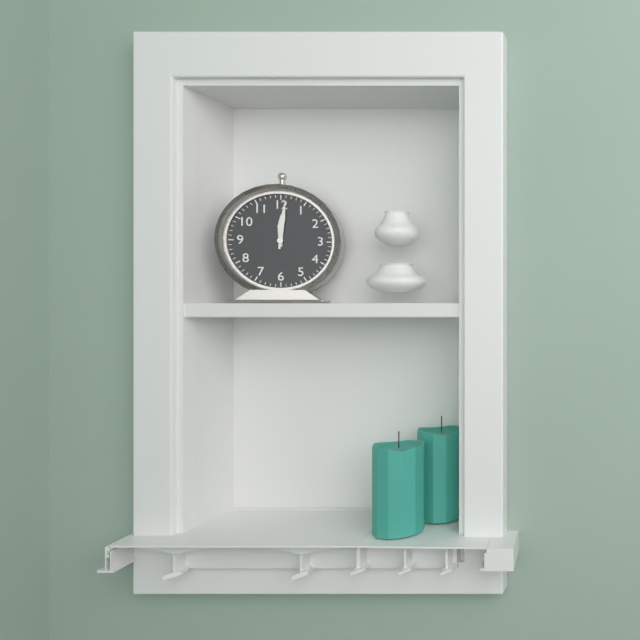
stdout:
12:01
